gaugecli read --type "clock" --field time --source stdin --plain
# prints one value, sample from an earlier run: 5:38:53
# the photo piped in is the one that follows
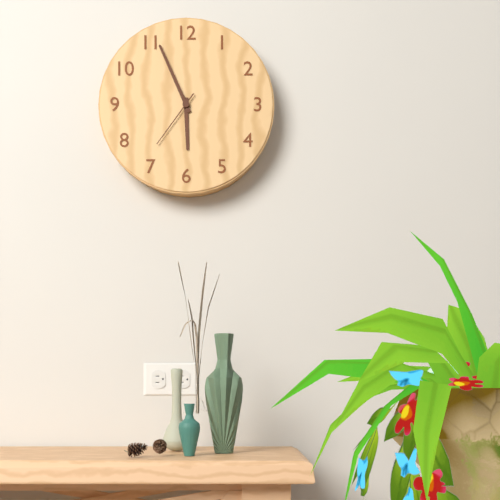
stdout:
5:56:36
